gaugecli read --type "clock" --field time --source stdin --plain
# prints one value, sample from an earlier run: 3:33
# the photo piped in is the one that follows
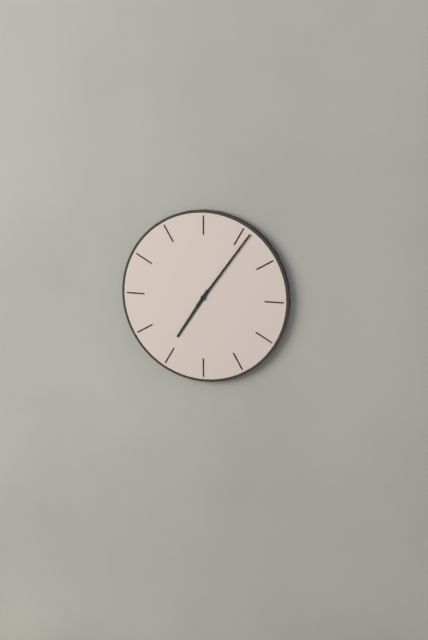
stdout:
7:06
